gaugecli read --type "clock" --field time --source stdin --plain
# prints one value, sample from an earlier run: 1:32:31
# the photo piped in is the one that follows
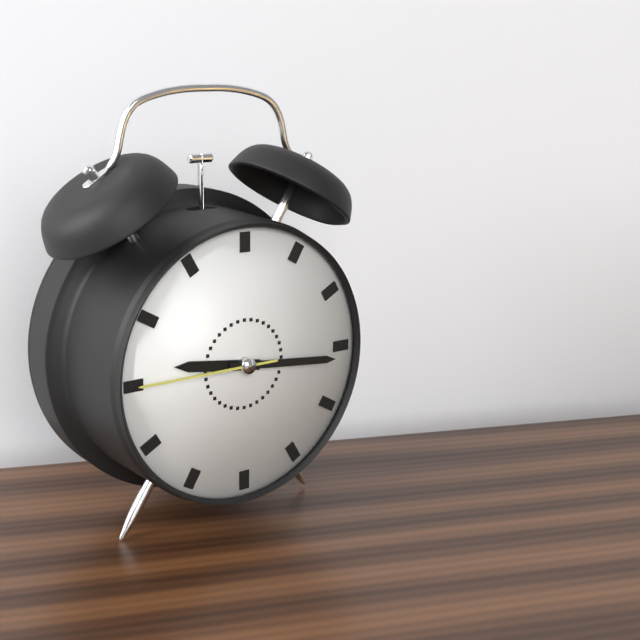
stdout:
9:16:45
